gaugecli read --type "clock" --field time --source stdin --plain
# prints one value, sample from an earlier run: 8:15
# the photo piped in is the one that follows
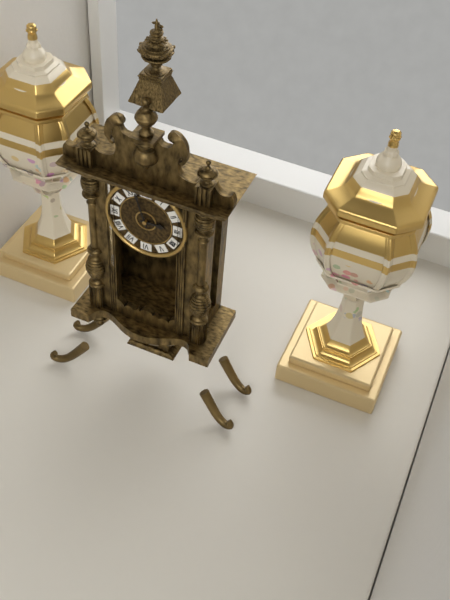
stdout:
2:57
